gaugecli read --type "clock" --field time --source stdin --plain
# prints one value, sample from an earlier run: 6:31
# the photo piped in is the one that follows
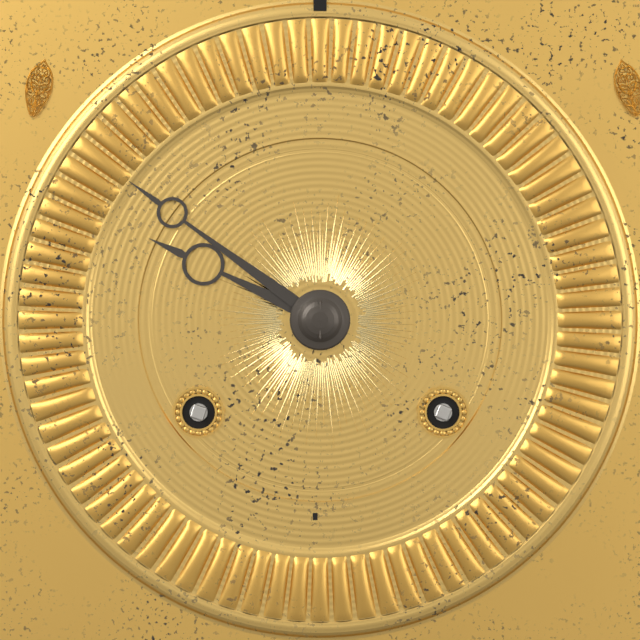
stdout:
9:51
